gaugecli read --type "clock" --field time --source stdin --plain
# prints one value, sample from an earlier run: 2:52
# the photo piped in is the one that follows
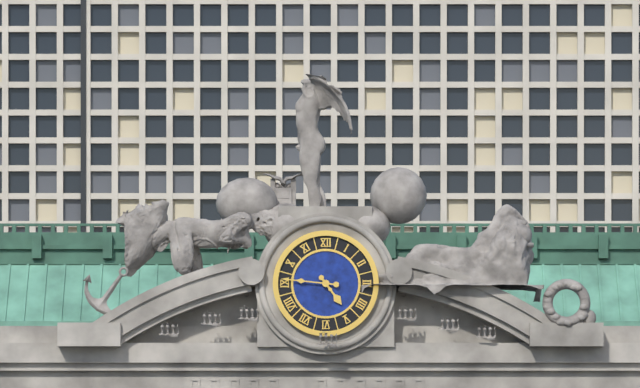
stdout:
4:46
